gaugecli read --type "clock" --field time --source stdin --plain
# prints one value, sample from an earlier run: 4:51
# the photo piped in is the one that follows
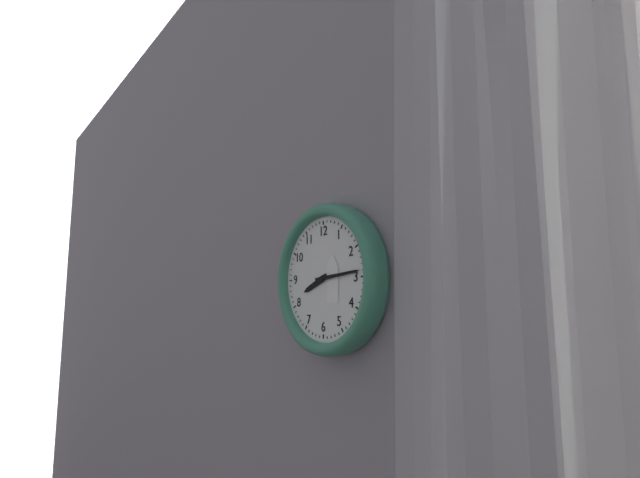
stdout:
8:14
